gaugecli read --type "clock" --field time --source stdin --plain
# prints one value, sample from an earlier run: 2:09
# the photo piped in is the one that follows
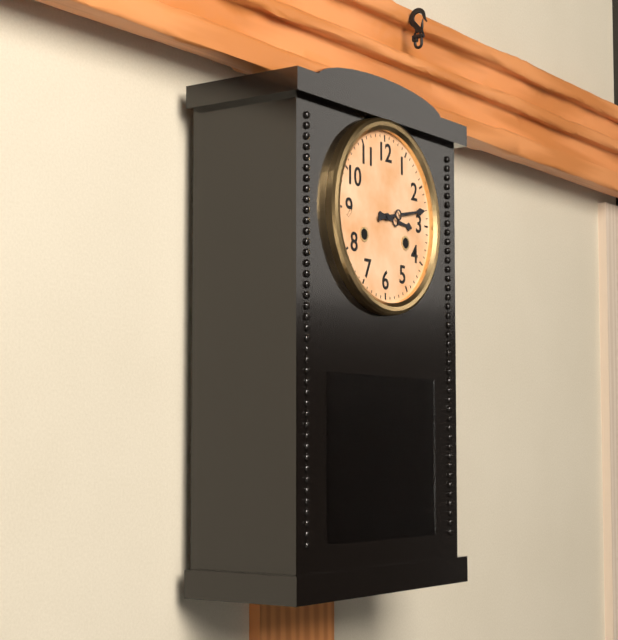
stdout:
3:13
